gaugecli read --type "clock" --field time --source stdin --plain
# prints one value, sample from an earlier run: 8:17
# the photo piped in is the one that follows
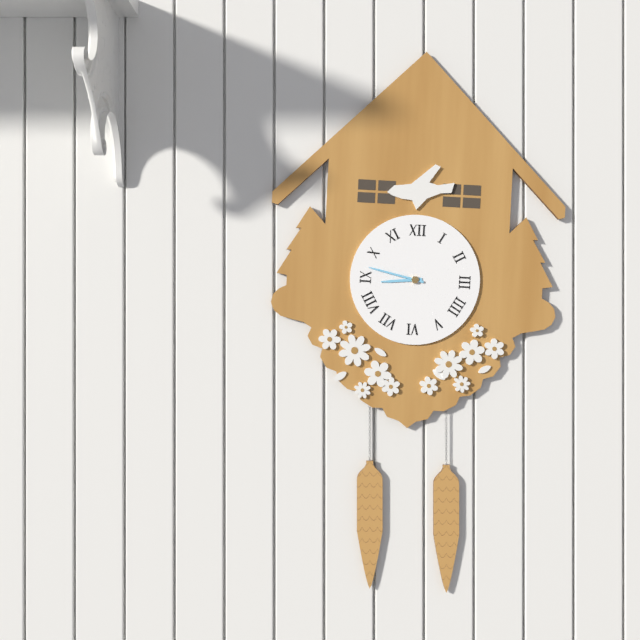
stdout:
8:47
